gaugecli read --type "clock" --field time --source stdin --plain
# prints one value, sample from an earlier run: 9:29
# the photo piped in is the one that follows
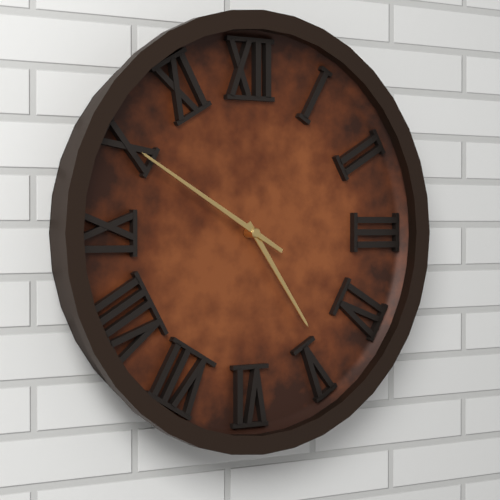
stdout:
4:50
